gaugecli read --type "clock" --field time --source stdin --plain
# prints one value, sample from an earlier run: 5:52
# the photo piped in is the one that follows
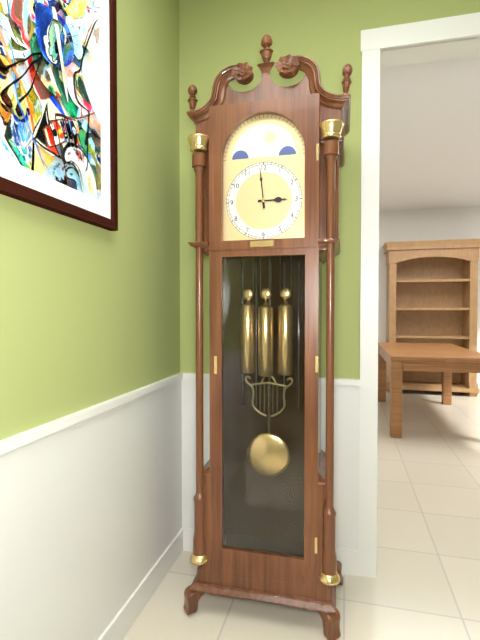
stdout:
2:59
